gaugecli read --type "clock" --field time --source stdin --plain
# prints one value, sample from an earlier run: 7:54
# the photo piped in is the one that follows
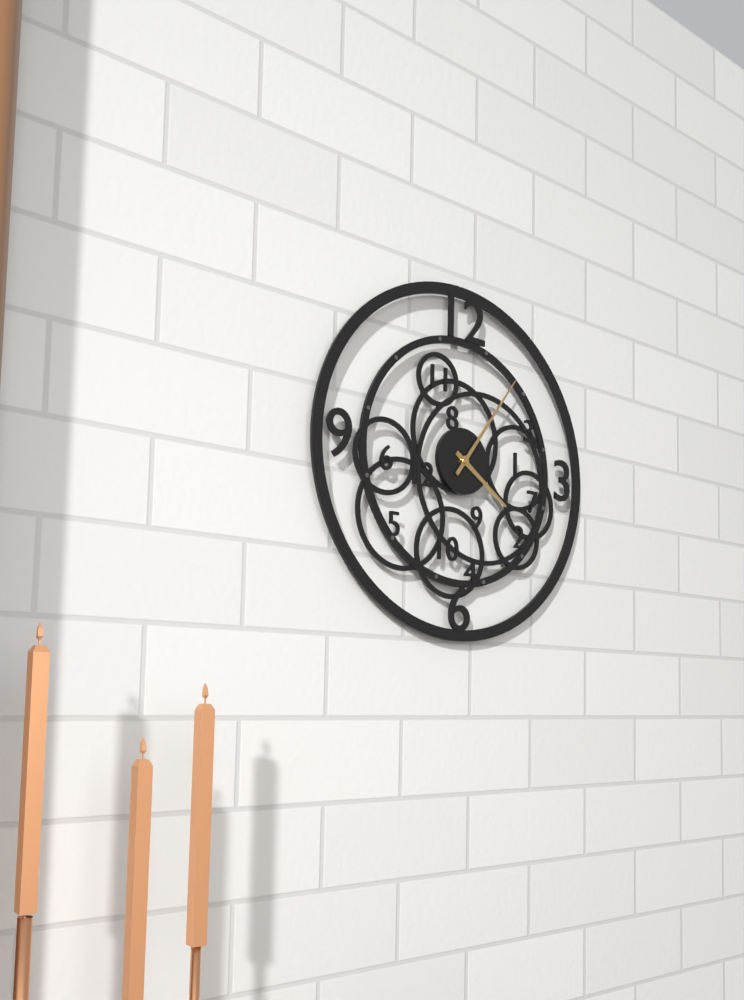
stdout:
4:06
